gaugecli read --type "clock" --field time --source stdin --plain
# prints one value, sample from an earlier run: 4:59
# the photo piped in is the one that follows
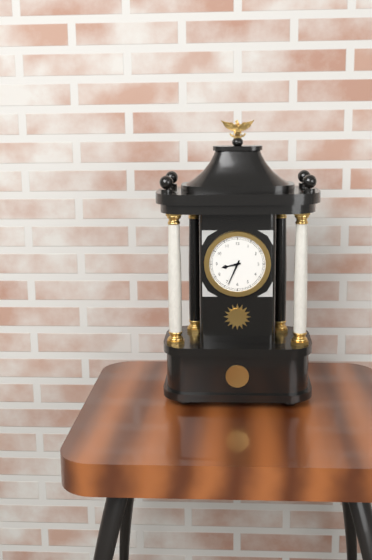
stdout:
8:34
